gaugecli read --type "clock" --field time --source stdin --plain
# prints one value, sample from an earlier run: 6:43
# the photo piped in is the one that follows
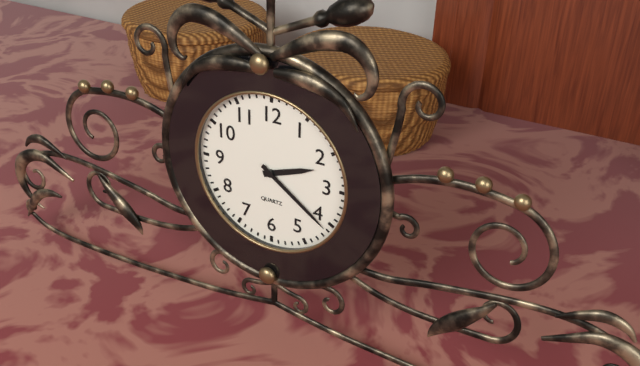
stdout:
2:21
